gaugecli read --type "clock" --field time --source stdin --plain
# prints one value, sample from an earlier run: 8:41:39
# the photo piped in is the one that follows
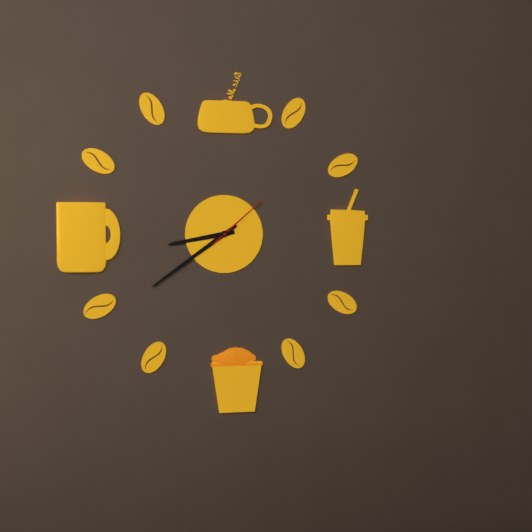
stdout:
8:39:08
